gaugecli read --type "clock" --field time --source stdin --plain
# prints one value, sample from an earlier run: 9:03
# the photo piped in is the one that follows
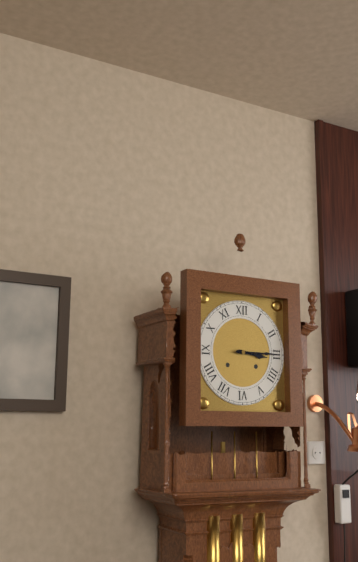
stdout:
3:15
